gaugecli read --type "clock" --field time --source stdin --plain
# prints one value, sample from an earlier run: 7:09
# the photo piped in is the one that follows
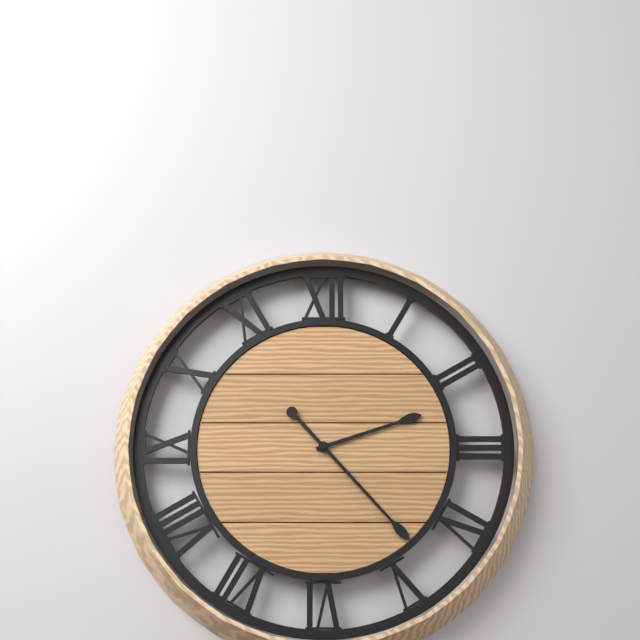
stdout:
2:23
